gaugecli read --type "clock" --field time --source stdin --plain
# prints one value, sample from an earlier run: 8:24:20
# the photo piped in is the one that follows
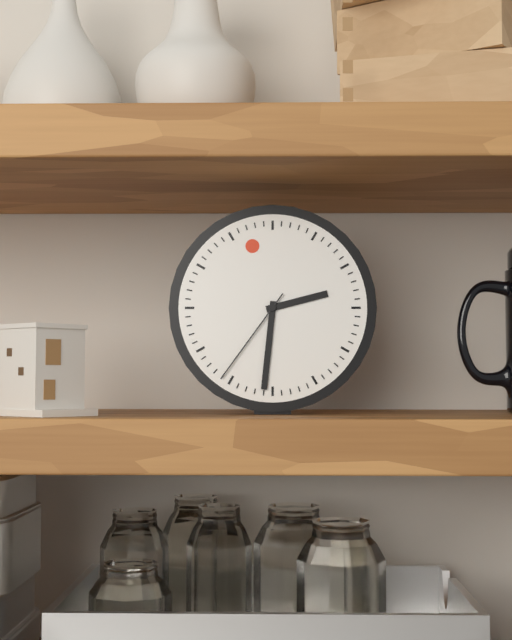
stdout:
2:31:36
